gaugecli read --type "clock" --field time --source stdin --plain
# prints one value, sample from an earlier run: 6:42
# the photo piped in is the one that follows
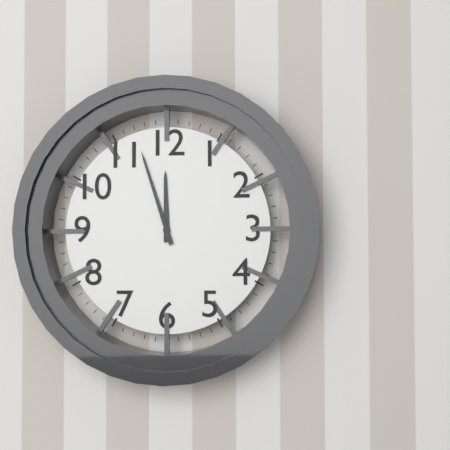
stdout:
11:57
